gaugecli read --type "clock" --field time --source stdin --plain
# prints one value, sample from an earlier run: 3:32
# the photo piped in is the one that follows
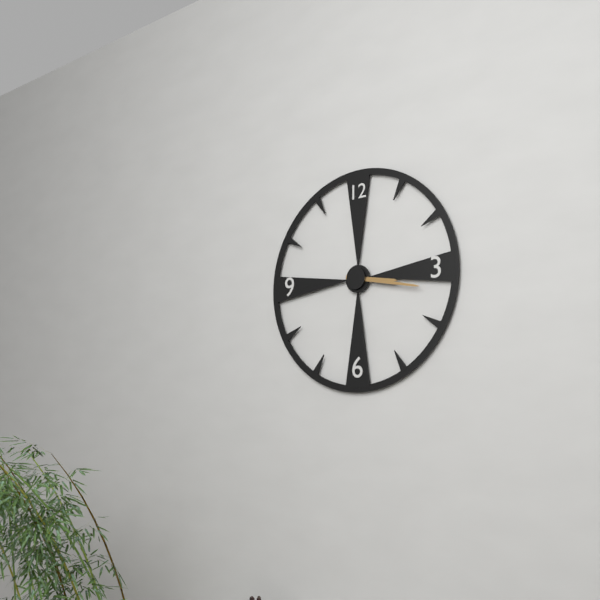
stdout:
3:17
